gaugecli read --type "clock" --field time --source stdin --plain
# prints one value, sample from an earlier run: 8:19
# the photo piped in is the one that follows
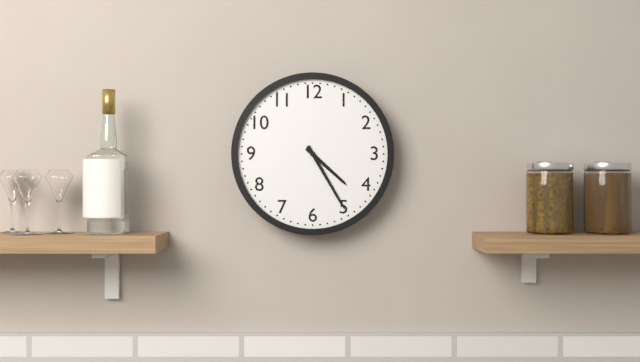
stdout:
4:25
